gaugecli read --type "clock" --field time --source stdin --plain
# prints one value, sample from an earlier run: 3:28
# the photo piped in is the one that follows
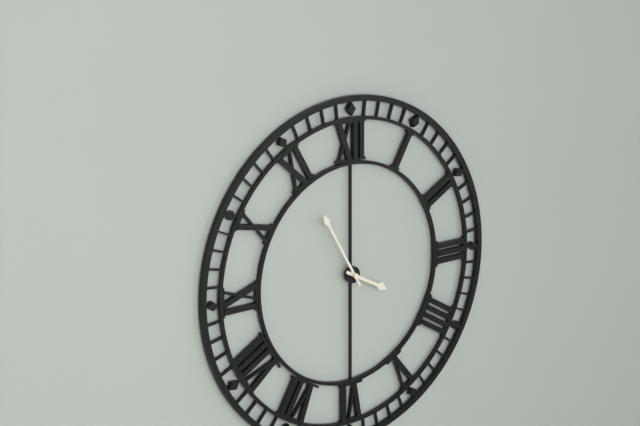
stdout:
3:55
